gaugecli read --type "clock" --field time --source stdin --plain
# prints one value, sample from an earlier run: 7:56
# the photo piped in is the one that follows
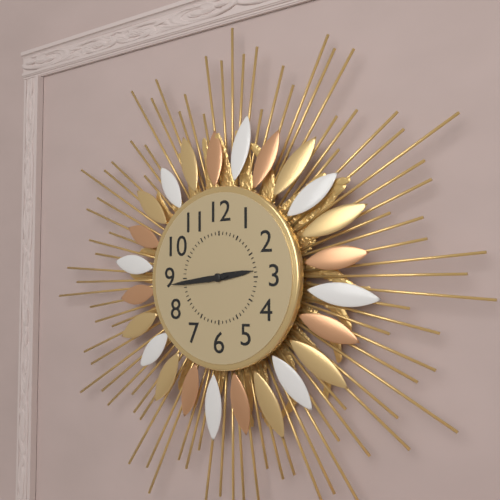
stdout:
2:44
